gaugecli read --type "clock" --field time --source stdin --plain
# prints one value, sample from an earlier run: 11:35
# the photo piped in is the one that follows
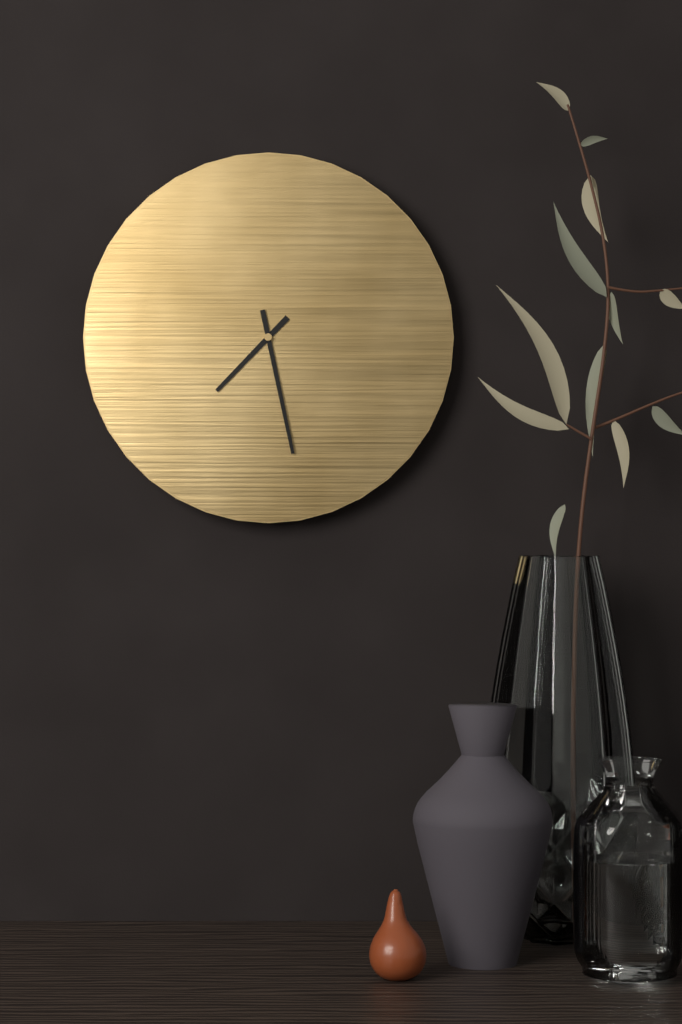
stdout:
7:28
